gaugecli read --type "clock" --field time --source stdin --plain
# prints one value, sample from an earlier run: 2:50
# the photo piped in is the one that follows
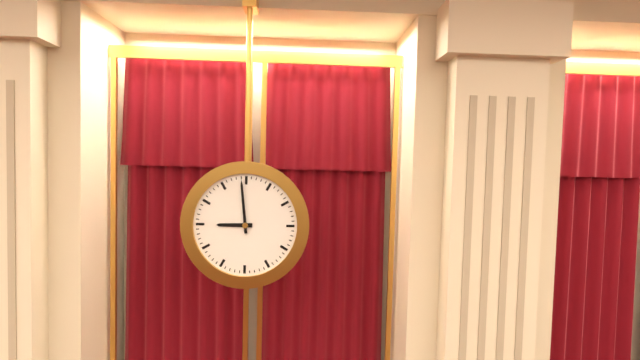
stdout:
8:59
